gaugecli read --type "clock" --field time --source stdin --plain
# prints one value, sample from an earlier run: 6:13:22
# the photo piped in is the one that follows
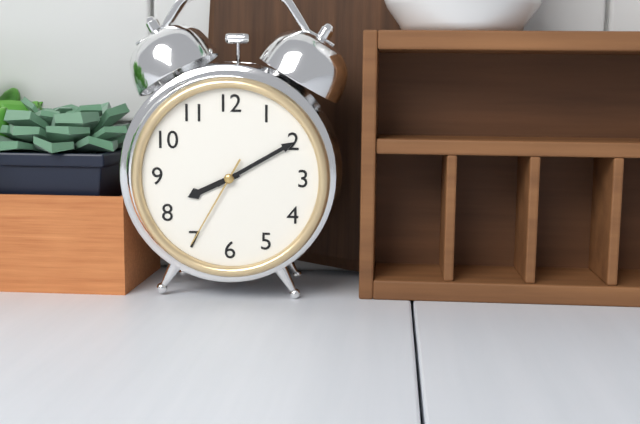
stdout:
8:10:35
